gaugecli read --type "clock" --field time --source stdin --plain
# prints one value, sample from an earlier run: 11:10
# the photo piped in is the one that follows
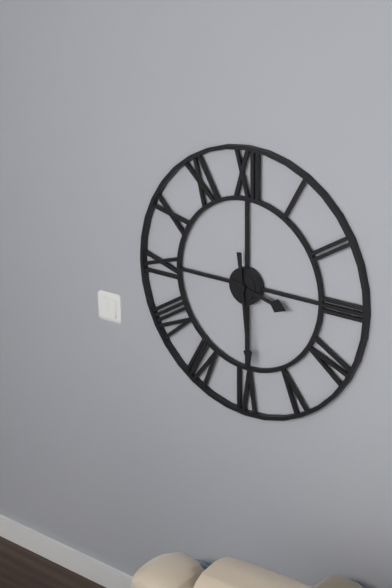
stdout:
3:29
